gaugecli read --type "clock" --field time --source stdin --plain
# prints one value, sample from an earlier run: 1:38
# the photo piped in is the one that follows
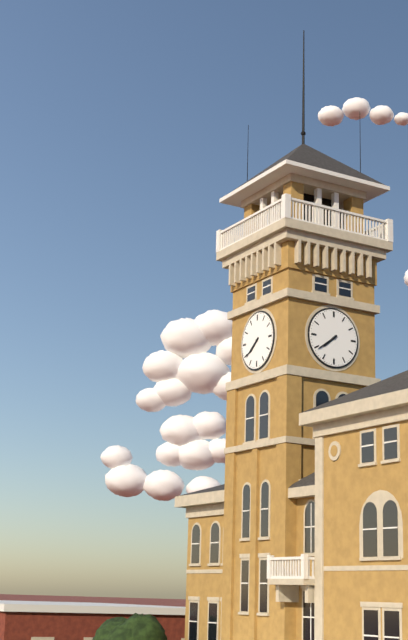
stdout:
7:39
